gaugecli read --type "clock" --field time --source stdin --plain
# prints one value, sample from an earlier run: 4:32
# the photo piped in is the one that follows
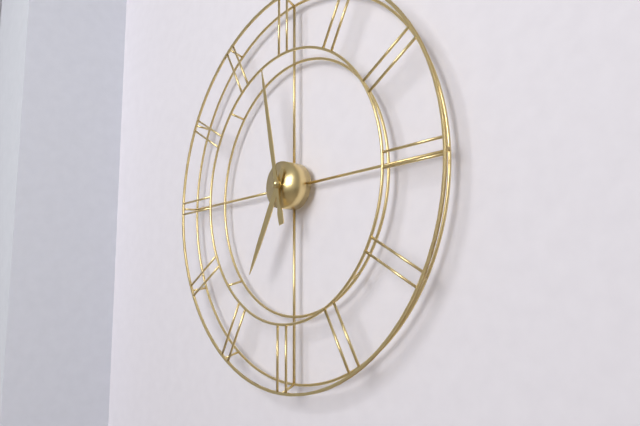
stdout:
6:58
